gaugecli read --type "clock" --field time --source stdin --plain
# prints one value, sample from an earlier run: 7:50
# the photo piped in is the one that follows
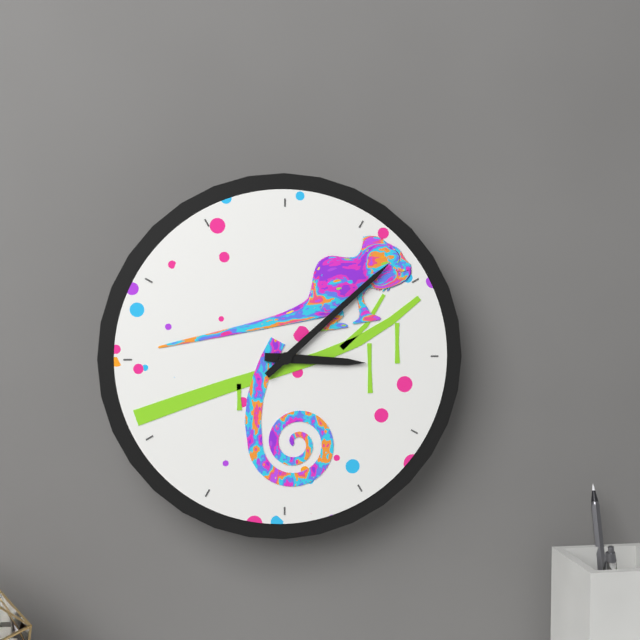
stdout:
3:08
